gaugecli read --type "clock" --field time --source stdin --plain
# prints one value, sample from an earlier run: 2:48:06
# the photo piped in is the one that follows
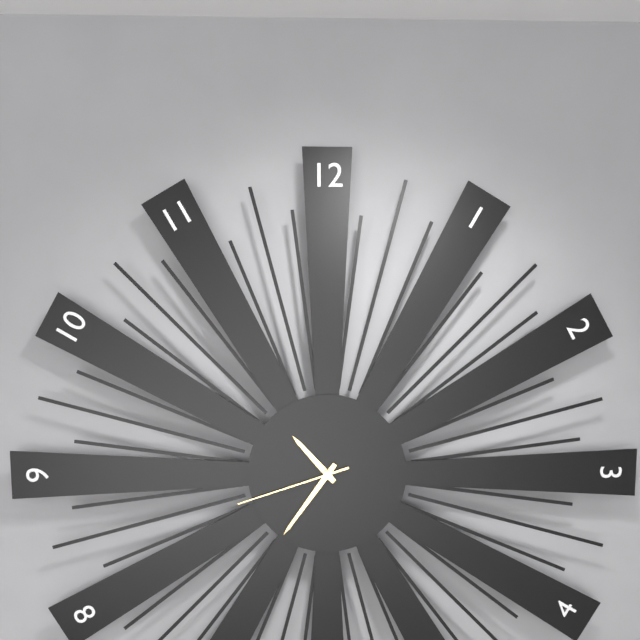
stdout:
10:36:42
